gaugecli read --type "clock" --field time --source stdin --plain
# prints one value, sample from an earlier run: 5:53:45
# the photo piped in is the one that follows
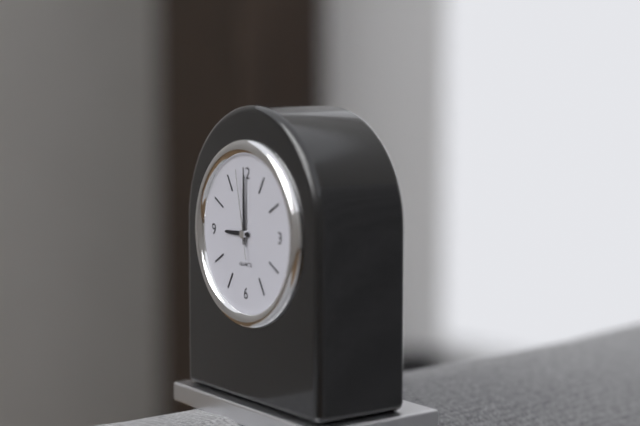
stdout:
9:00:58
